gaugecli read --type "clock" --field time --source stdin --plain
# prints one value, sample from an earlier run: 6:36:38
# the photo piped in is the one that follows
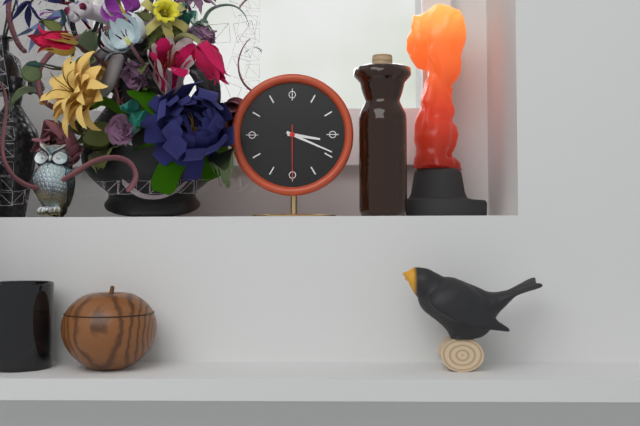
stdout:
3:19:30
